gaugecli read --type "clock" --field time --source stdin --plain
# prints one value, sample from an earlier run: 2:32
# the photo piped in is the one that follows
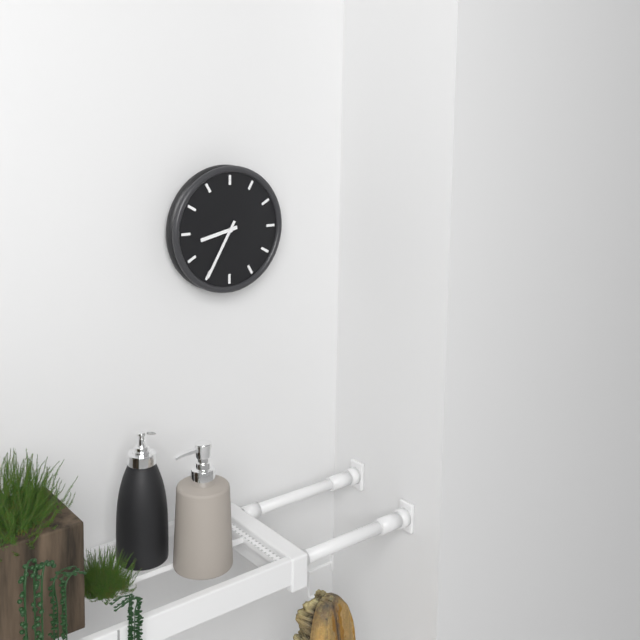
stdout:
8:35
